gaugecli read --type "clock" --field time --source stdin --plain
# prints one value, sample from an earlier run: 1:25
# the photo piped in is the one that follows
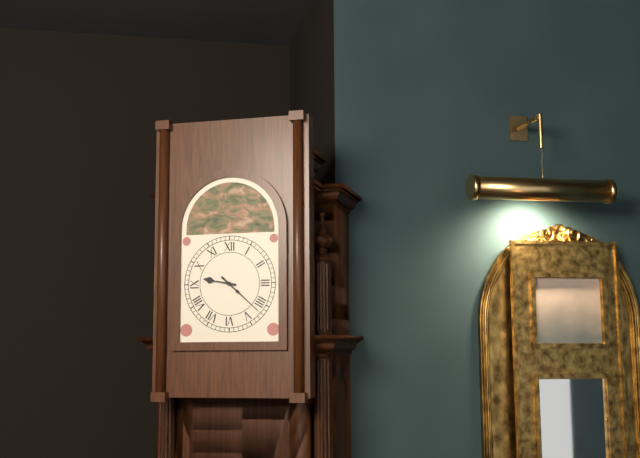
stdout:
9:22
